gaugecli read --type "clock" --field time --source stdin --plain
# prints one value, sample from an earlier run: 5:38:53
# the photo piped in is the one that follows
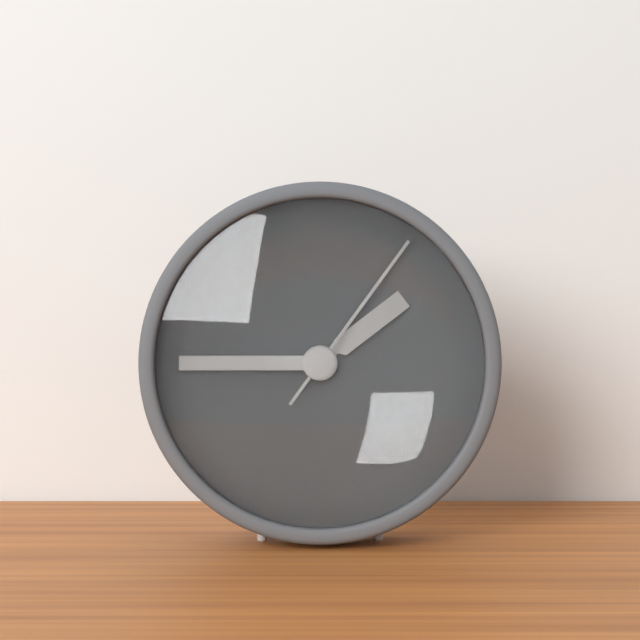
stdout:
1:45:06
